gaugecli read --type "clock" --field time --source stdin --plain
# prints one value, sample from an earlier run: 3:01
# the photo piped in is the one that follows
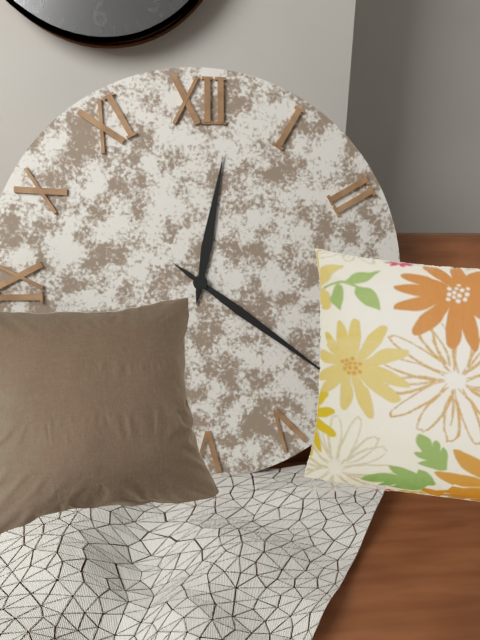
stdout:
12:21
